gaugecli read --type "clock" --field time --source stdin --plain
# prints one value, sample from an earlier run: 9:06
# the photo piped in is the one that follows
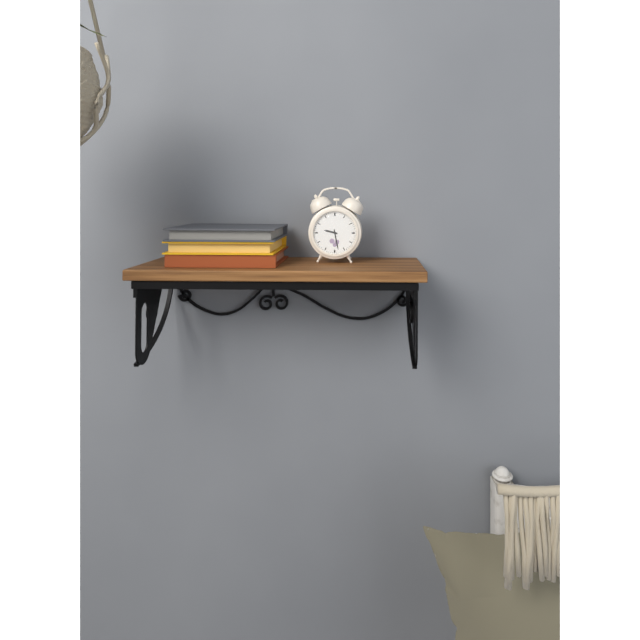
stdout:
9:28
